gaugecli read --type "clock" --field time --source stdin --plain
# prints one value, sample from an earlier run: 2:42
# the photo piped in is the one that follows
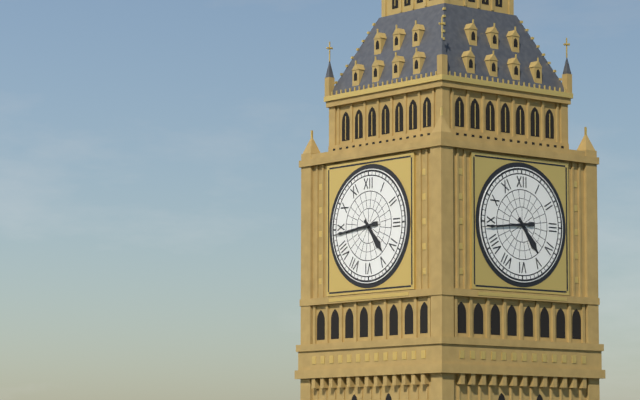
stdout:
4:44
